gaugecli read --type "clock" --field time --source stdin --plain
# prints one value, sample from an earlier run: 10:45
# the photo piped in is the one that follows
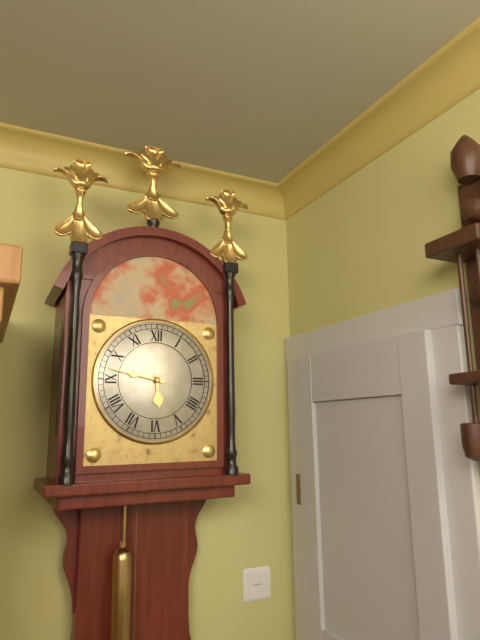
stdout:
5:47
